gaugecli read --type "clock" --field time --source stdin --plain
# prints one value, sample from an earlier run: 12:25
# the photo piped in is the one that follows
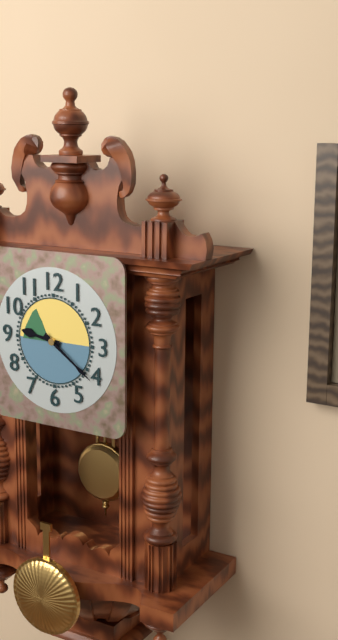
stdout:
9:21
